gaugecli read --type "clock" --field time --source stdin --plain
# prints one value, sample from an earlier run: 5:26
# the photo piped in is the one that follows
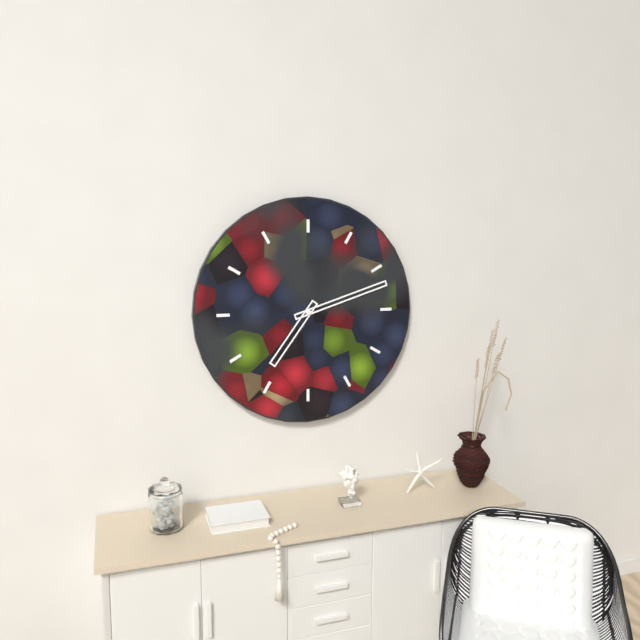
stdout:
7:12
